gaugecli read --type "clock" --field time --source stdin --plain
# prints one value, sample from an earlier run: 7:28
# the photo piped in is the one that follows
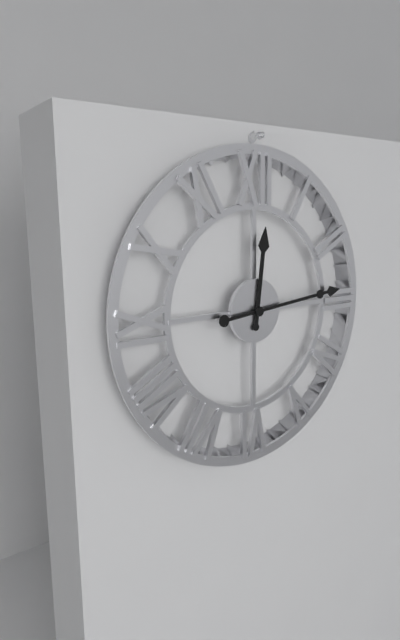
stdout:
12:14
